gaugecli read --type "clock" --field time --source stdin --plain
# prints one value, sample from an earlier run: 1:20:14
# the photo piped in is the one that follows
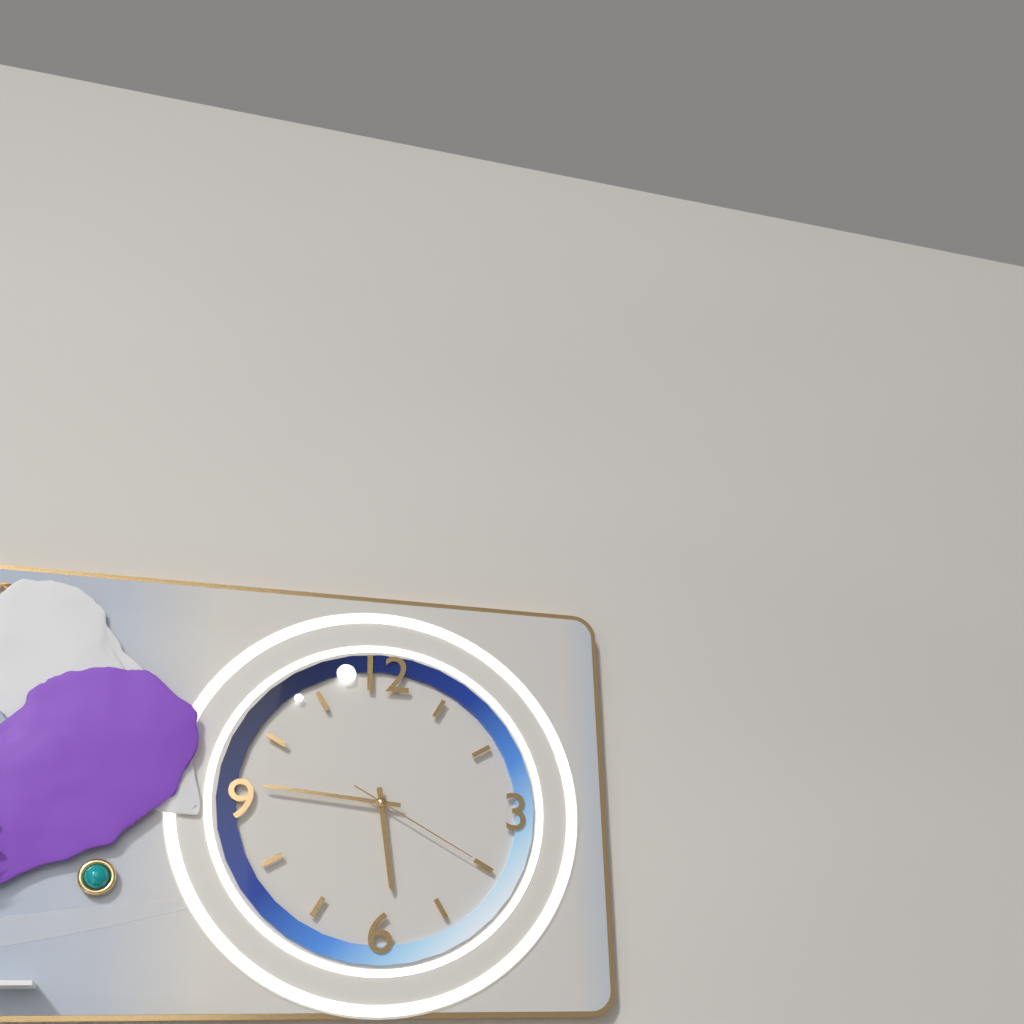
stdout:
5:46:20
